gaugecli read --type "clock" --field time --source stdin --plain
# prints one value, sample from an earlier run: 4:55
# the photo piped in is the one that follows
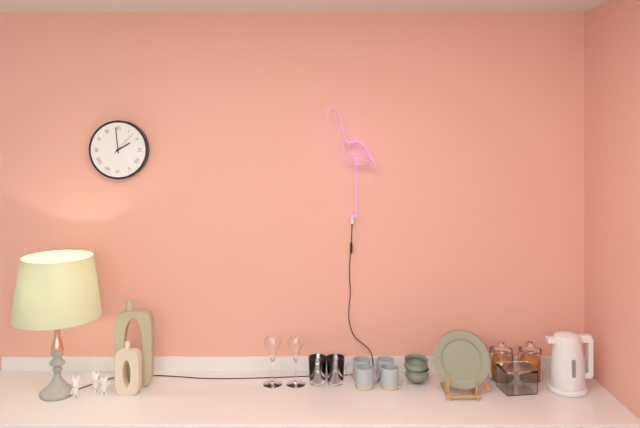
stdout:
1:59
